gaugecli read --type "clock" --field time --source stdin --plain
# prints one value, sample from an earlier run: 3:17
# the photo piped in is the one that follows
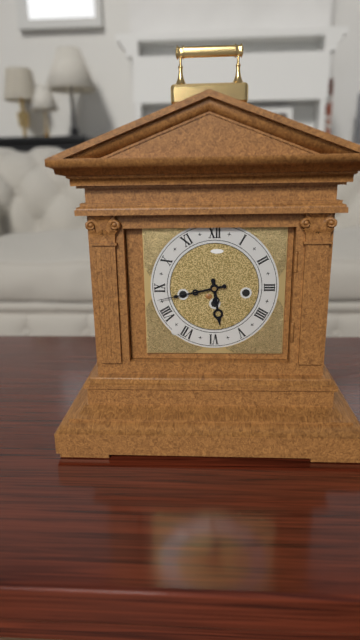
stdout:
5:43
